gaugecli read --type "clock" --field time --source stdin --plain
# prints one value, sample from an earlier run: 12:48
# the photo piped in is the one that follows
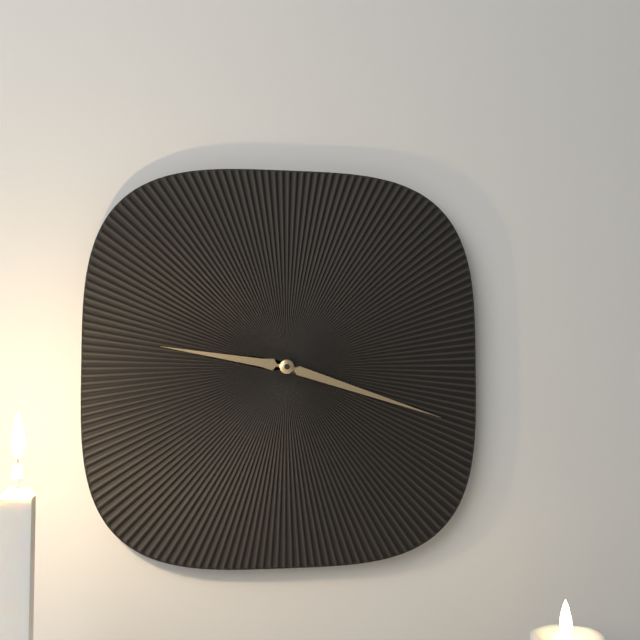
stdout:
9:18
